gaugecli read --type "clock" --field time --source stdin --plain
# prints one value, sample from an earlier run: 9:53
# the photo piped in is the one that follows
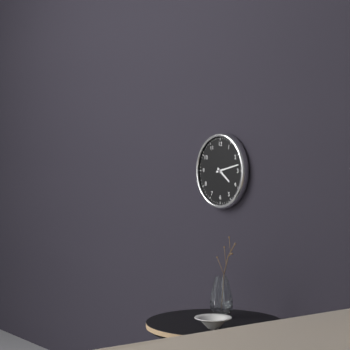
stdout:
4:13
